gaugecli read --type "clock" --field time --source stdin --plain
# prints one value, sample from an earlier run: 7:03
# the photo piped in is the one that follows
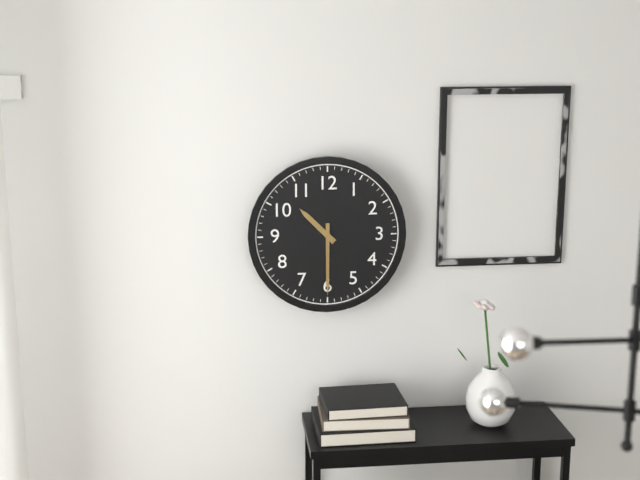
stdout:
10:30
